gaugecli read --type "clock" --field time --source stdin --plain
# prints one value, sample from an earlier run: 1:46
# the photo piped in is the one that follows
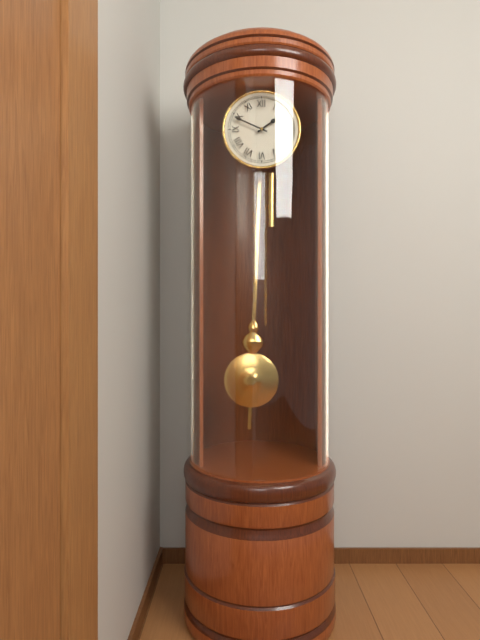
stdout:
1:49
